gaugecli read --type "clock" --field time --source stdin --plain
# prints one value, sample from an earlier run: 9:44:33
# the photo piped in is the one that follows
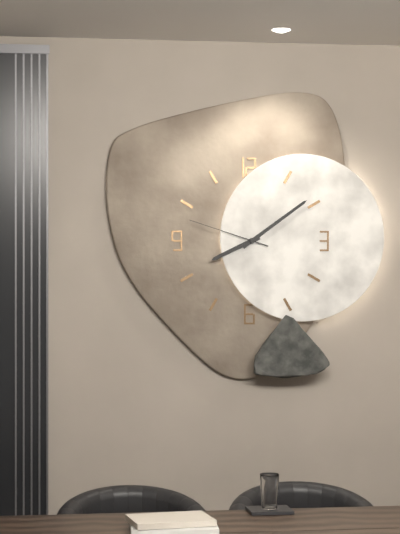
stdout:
8:09:48
